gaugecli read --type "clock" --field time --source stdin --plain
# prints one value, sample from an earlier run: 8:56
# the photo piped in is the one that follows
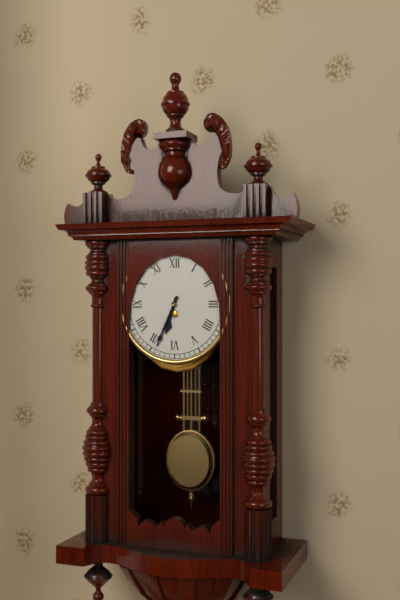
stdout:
6:34
